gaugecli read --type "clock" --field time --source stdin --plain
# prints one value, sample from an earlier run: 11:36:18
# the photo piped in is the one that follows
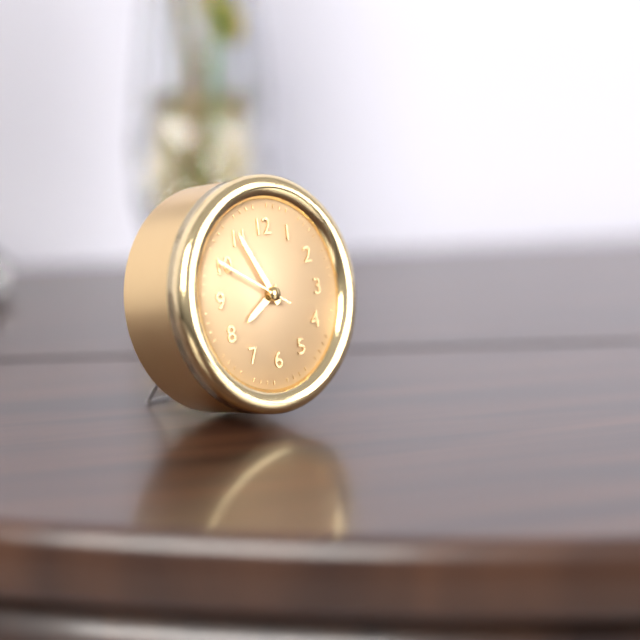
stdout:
7:55:50
